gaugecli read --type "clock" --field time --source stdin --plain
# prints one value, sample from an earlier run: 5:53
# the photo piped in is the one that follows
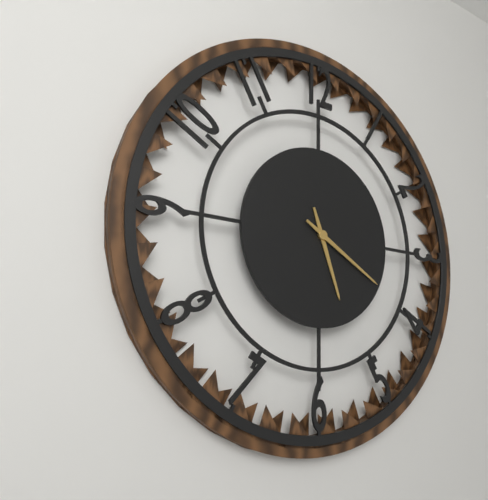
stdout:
5:20
